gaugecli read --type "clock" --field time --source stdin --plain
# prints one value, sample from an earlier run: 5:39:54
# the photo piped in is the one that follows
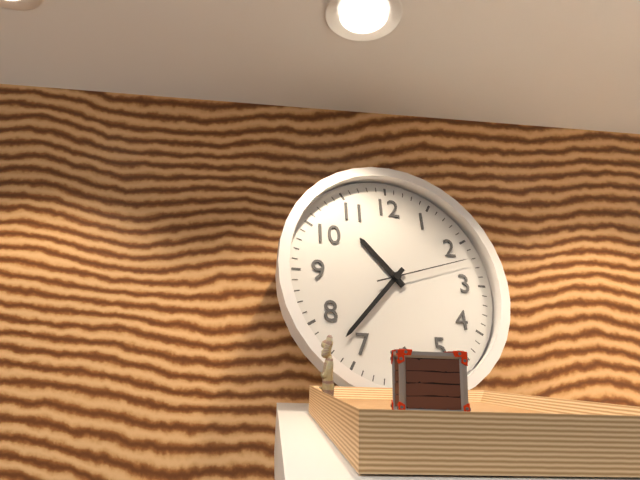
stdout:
10:37:12
